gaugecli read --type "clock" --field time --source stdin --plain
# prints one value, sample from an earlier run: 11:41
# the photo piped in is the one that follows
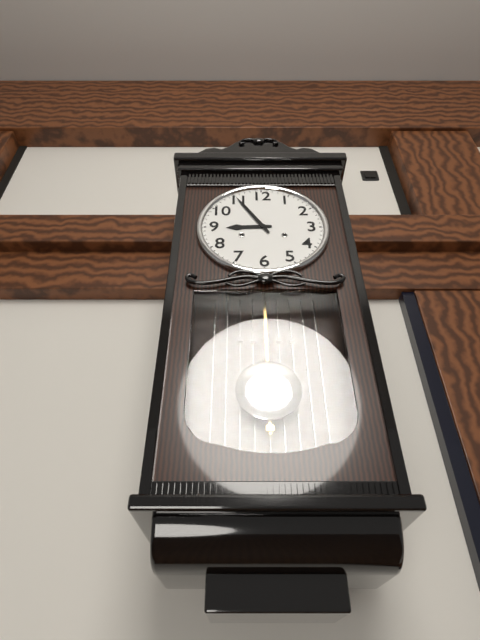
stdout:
8:55
